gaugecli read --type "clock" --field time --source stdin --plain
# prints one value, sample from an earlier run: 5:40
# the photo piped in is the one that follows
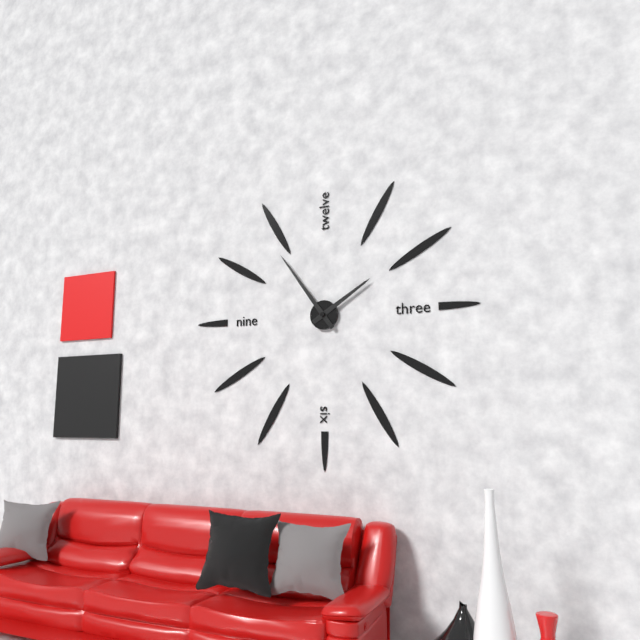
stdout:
1:54
